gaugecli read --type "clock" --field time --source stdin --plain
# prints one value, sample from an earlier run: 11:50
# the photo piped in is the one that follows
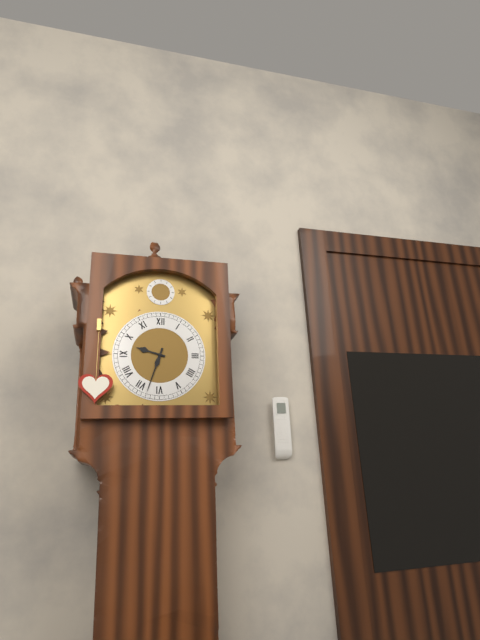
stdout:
9:33
